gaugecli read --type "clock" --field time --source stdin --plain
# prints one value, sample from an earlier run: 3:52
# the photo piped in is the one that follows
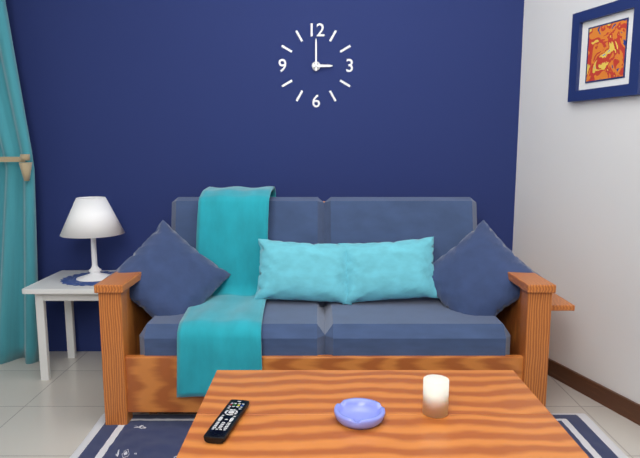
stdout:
3:00
